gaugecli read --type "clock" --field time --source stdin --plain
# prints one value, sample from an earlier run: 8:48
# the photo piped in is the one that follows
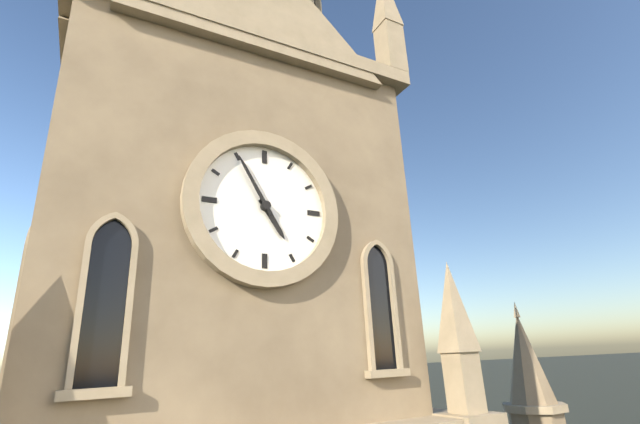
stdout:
4:55
